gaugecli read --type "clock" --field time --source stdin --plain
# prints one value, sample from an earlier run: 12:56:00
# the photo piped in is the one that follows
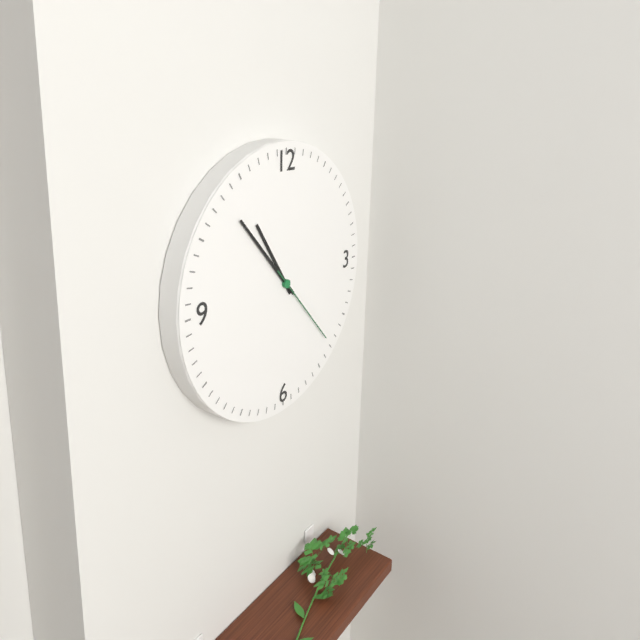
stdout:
10:53:23
